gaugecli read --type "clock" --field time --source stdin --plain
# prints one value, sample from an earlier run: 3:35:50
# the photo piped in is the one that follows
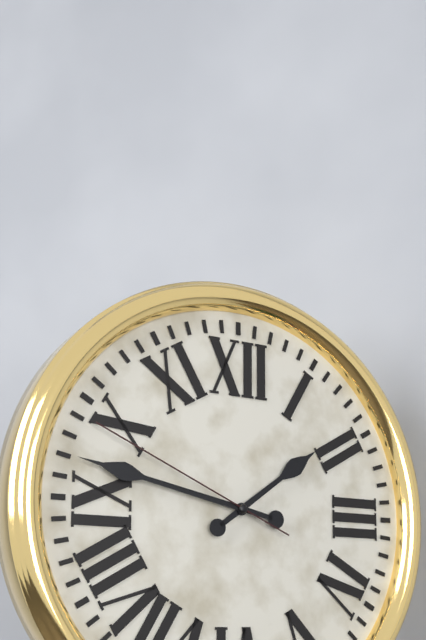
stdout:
1:47:49
